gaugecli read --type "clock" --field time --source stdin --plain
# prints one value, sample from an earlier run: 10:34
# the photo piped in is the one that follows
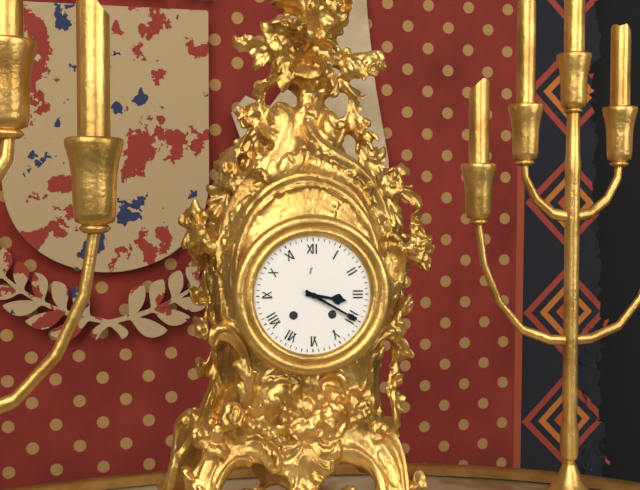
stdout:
3:20
